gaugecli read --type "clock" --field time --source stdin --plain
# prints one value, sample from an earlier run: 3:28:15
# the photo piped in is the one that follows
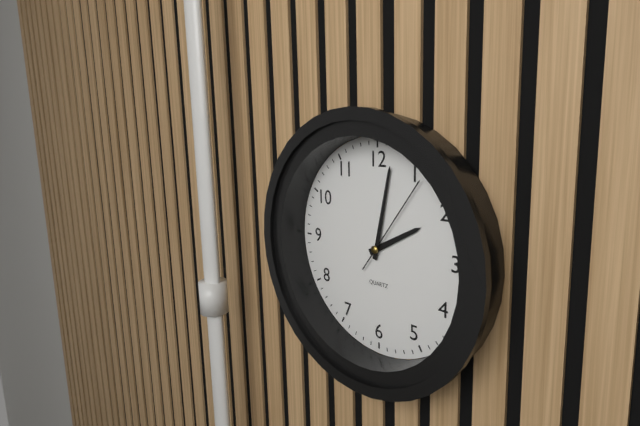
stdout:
2:02:06
